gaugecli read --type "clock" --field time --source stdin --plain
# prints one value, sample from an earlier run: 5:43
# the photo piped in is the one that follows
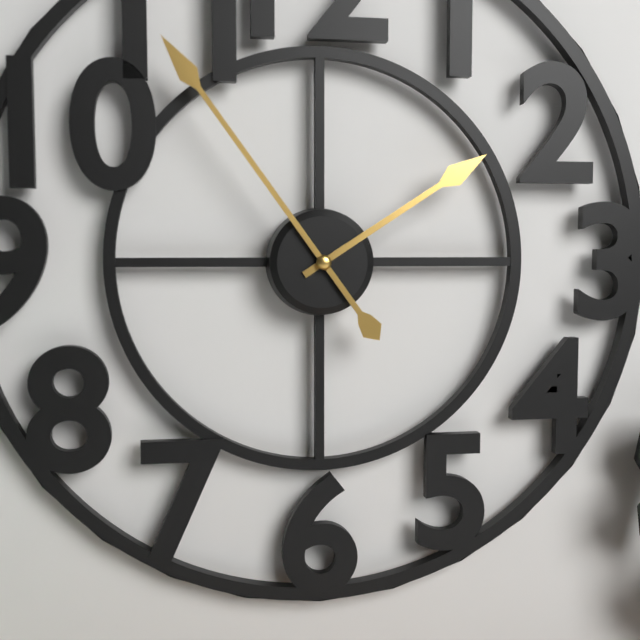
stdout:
1:54
